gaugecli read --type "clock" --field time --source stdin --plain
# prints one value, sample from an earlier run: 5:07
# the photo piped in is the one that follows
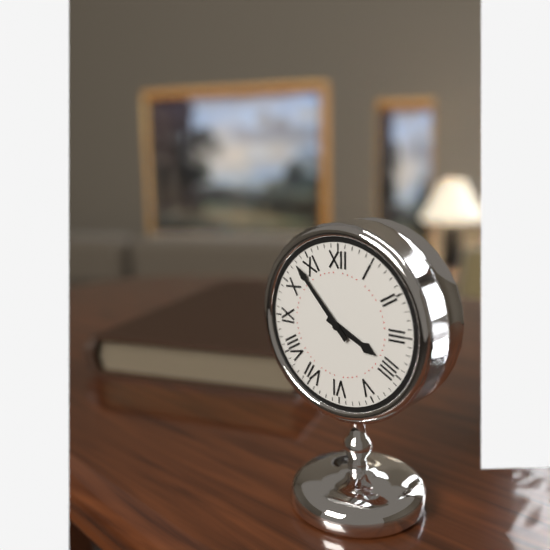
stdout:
3:53
